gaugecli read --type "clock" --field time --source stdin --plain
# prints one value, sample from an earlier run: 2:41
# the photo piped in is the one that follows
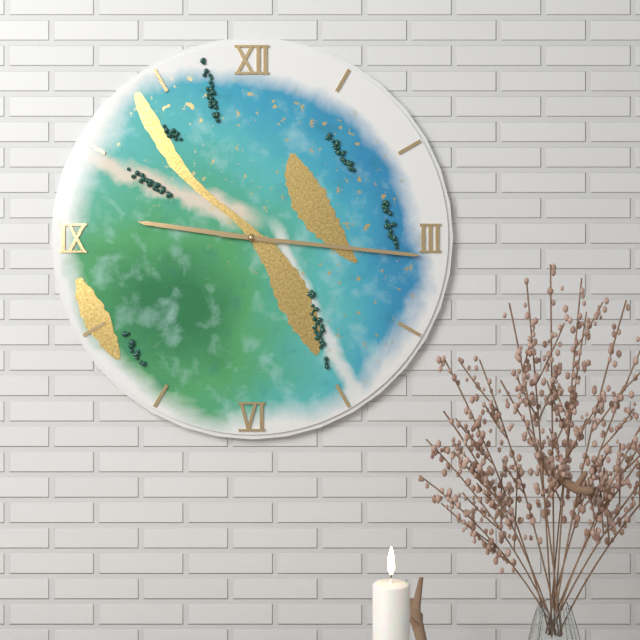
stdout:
9:16
